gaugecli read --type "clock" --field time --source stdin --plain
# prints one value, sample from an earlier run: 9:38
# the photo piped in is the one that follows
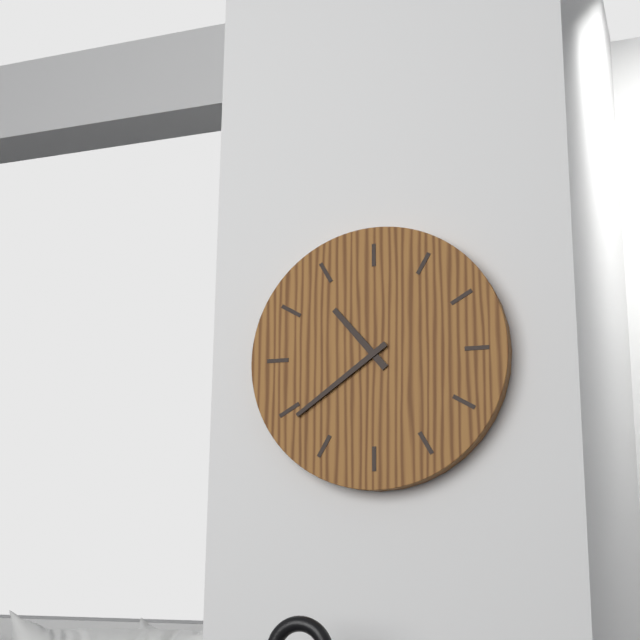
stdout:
10:39
